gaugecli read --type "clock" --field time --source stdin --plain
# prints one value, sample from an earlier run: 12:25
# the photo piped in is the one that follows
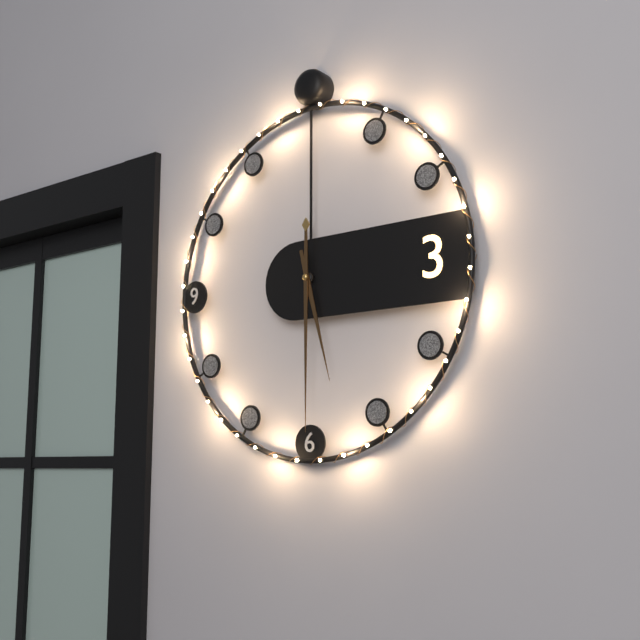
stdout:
5:30
